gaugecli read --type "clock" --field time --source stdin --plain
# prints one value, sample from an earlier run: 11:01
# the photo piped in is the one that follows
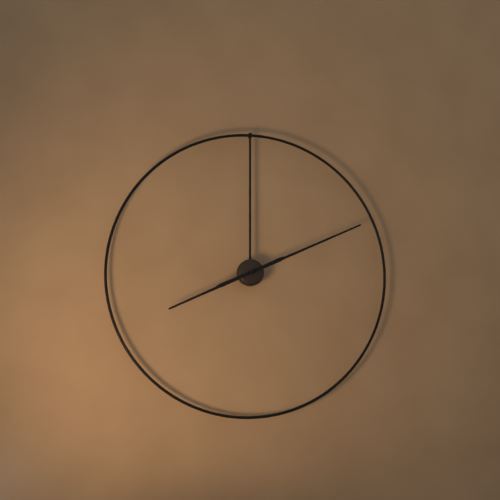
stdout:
8:11
